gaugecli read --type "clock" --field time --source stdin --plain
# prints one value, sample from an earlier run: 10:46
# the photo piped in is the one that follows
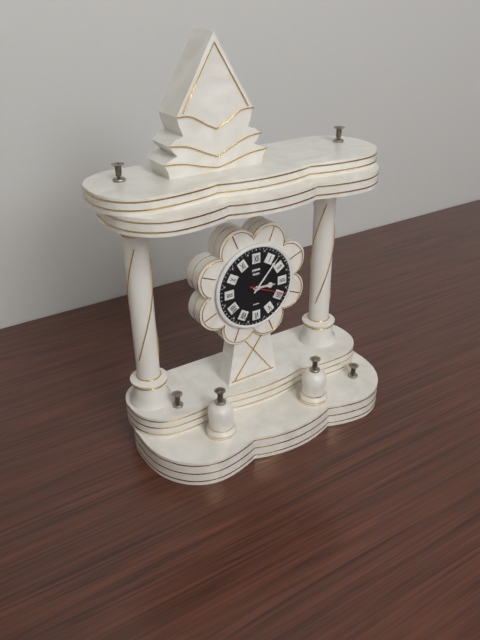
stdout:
3:07
